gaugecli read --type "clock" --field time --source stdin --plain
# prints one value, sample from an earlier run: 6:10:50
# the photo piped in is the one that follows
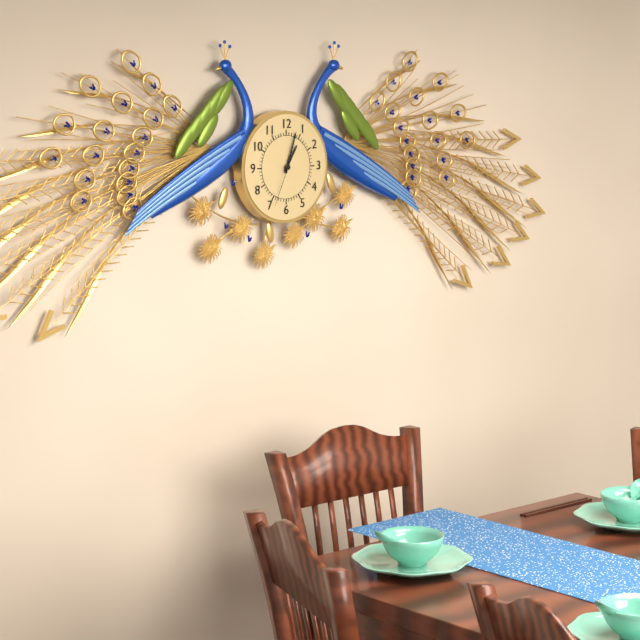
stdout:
1:03:34
